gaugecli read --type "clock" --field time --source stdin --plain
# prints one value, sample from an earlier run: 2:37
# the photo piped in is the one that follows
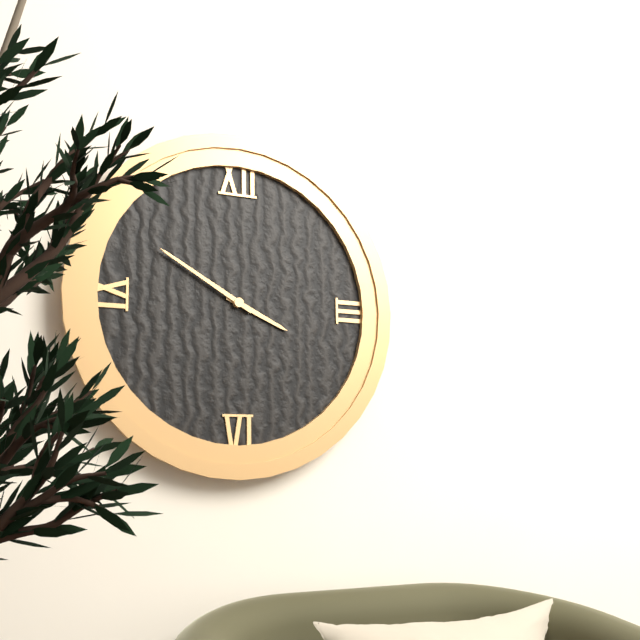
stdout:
3:50
